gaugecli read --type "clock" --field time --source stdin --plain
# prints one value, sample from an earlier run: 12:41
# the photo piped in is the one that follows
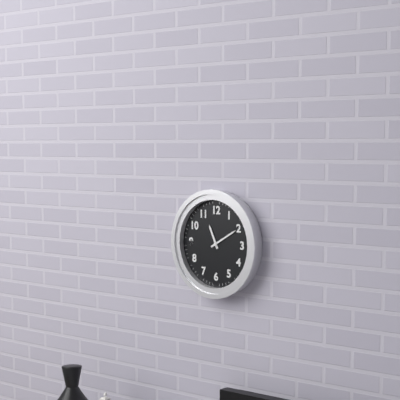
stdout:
11:10
